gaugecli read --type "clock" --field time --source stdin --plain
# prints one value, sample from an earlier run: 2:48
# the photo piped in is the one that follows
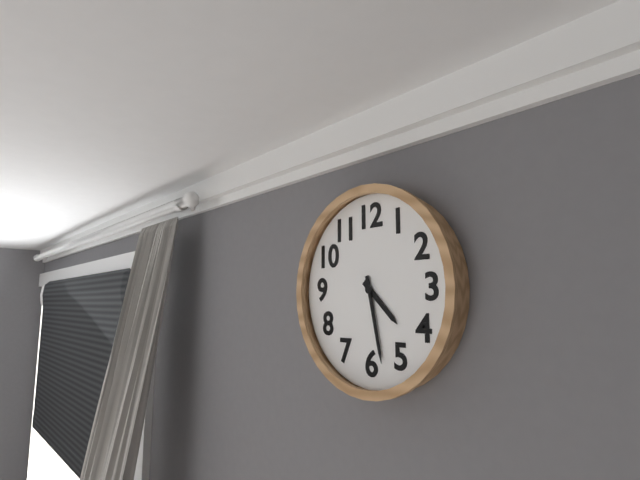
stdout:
4:28
